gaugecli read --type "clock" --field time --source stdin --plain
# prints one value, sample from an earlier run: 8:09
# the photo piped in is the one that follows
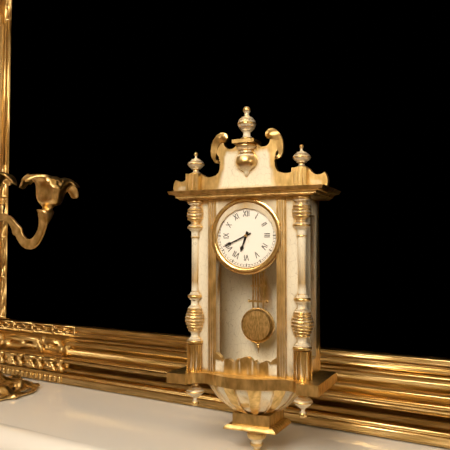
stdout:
6:41
